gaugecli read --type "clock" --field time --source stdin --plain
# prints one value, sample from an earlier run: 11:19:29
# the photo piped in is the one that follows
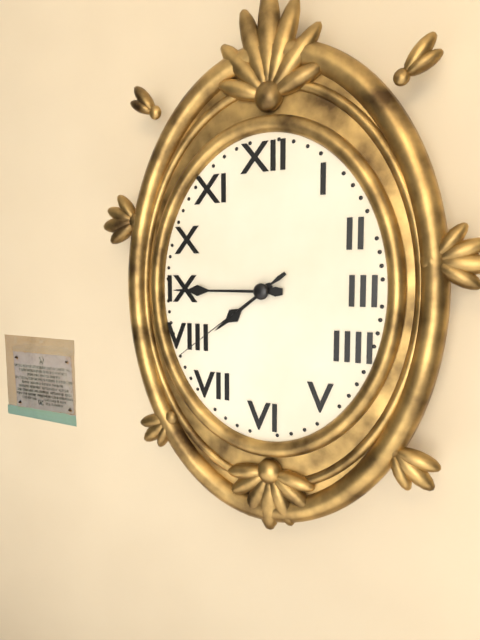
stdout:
7:45:39
